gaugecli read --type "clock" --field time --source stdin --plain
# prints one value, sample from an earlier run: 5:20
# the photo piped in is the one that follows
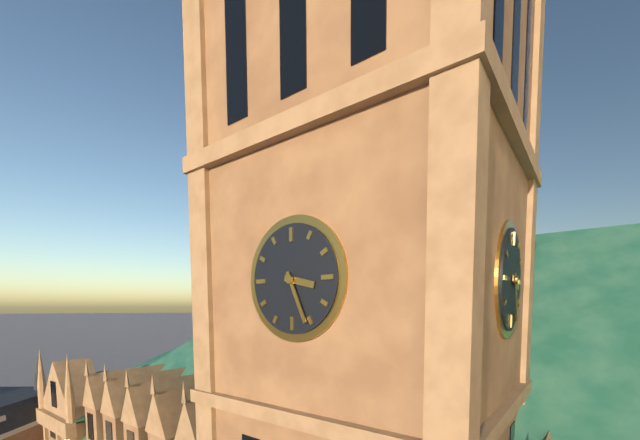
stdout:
3:26
